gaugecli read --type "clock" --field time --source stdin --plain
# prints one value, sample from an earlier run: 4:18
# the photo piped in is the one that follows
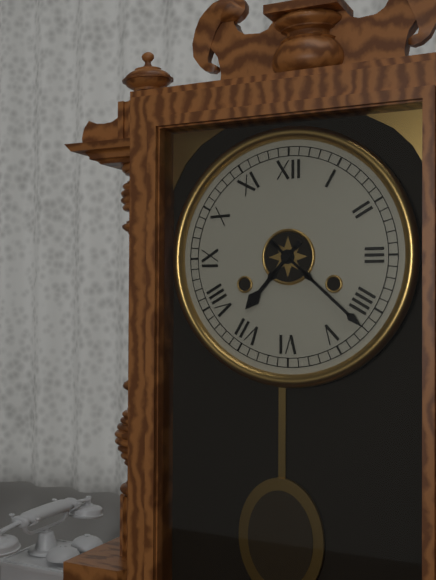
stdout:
7:22
